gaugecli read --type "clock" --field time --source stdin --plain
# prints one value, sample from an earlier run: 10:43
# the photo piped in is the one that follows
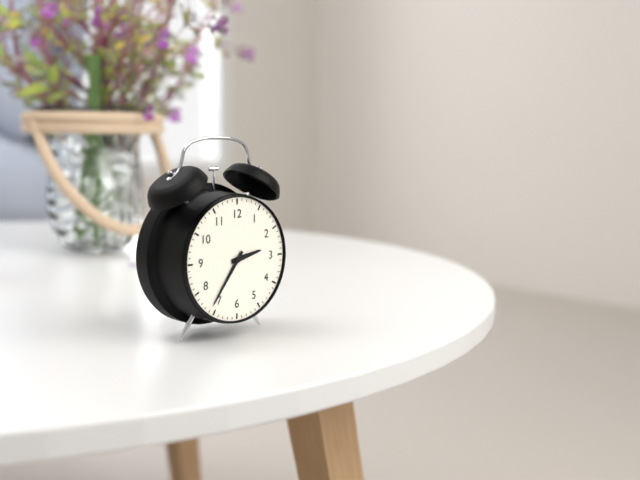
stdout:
2:36
